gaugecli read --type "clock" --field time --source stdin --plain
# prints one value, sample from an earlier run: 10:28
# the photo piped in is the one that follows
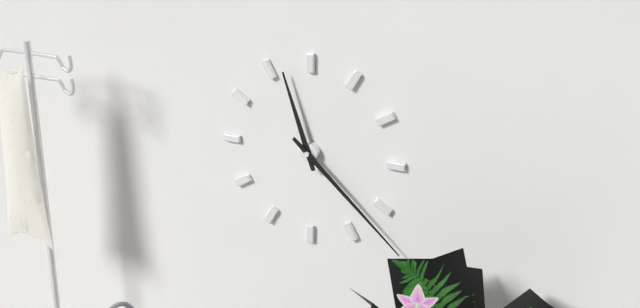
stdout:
11:22
